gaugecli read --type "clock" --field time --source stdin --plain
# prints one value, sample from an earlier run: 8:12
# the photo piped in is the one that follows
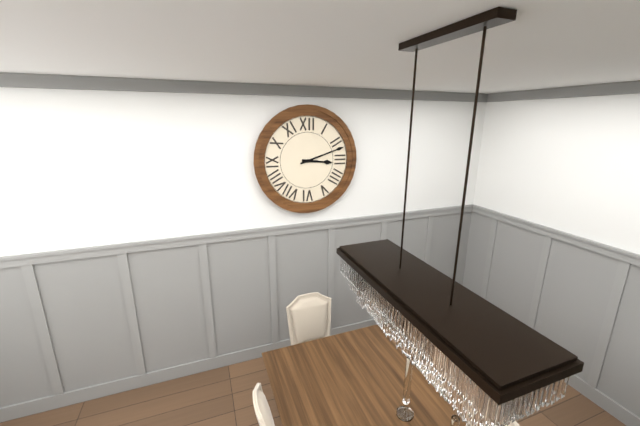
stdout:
3:12
